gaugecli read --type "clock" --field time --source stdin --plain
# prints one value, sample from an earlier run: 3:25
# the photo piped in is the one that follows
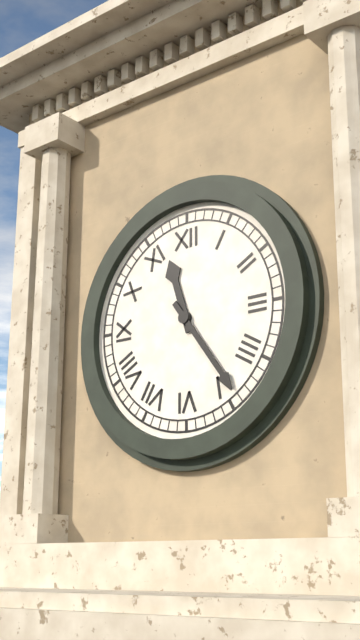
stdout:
11:24
